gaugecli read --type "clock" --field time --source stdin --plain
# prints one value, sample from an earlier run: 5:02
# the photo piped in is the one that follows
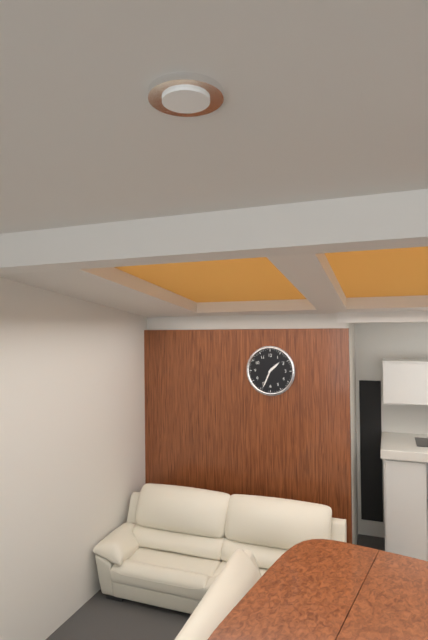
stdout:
1:34
